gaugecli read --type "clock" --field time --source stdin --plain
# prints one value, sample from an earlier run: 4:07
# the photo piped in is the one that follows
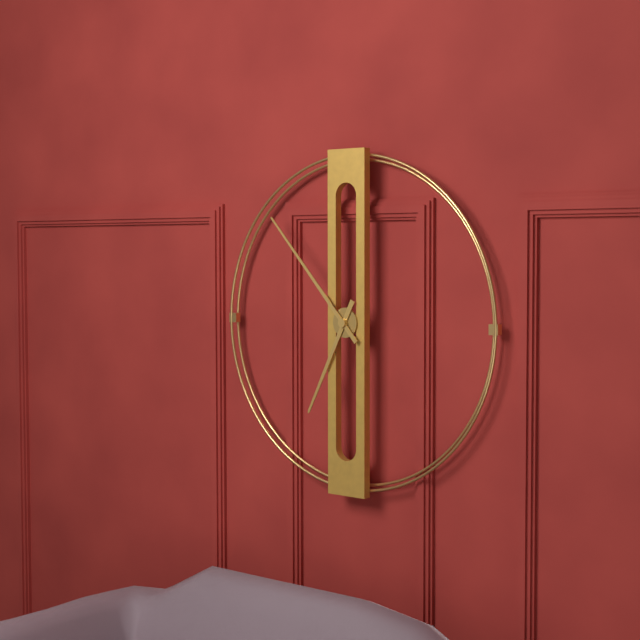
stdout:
6:53
